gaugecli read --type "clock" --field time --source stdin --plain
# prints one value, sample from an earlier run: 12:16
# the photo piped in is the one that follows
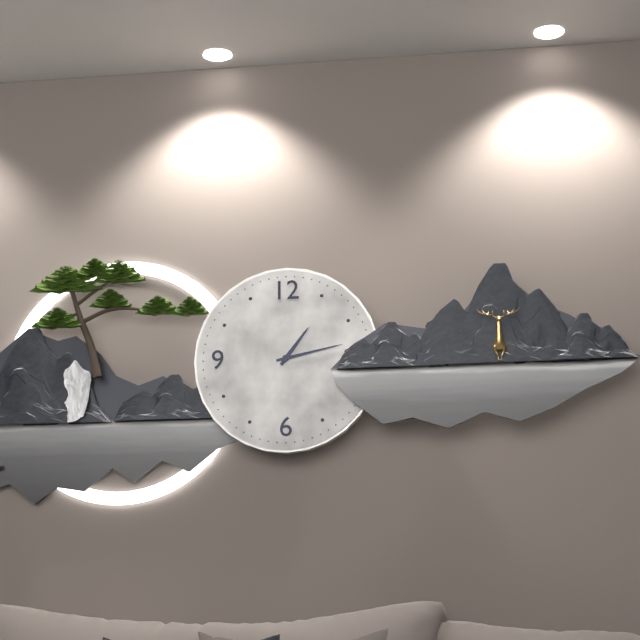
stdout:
1:13
